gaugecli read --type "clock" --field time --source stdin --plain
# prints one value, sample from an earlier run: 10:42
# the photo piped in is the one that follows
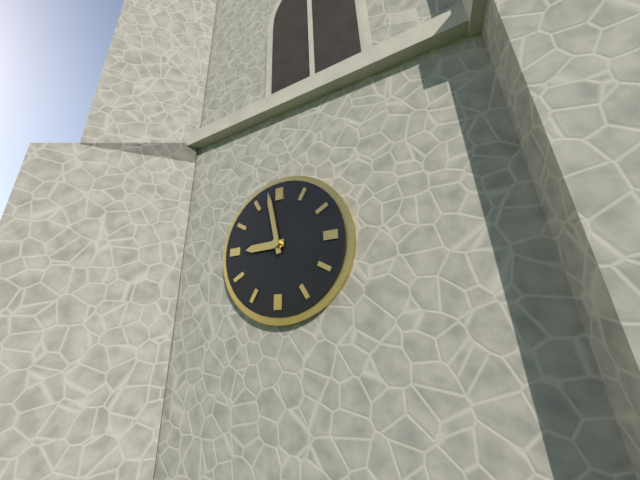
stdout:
8:58
